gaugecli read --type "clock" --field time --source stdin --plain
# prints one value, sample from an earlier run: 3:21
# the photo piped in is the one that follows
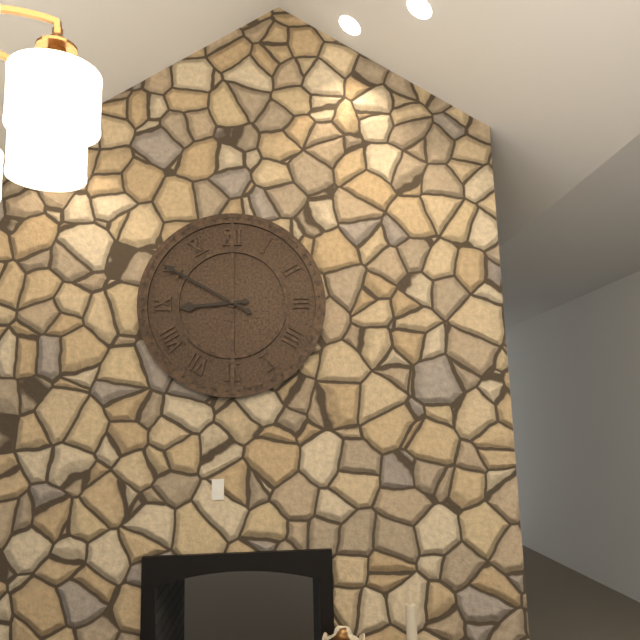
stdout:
8:50
